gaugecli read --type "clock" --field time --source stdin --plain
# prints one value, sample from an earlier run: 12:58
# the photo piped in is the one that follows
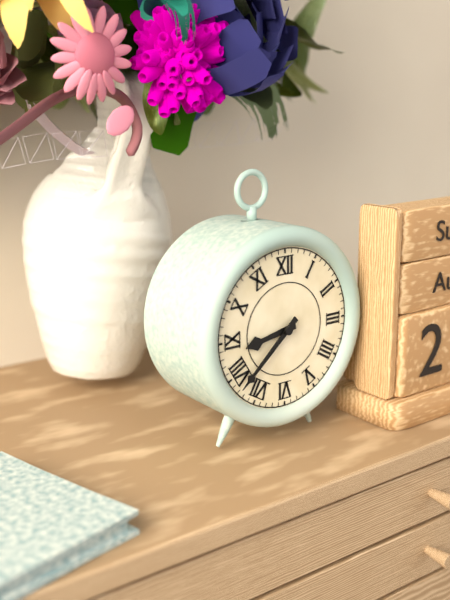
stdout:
8:38
